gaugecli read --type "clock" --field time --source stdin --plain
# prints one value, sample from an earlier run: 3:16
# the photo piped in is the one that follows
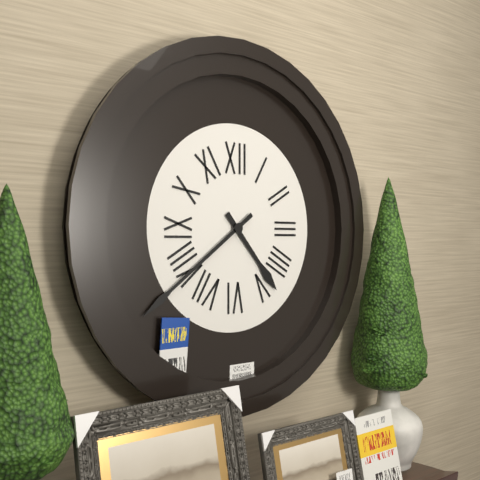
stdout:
4:39
